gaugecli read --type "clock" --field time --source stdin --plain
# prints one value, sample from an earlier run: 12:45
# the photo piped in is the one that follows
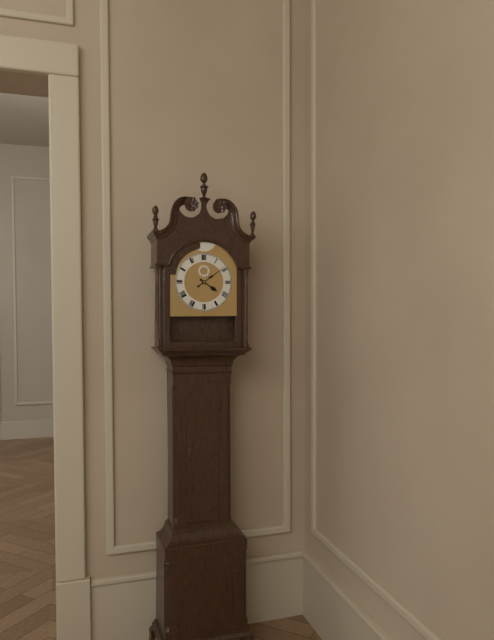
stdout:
4:09
